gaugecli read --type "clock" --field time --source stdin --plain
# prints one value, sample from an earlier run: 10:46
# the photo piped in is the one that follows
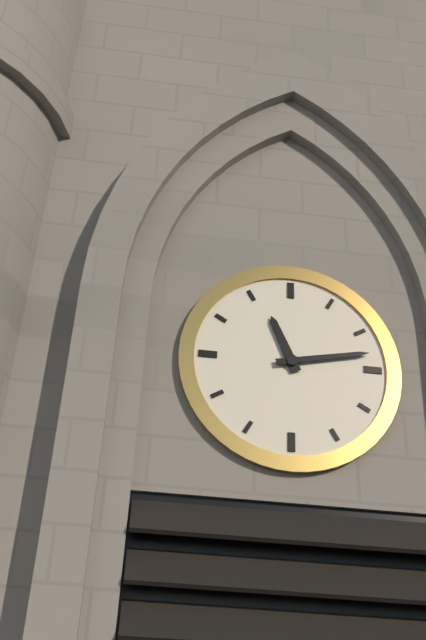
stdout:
11:13
